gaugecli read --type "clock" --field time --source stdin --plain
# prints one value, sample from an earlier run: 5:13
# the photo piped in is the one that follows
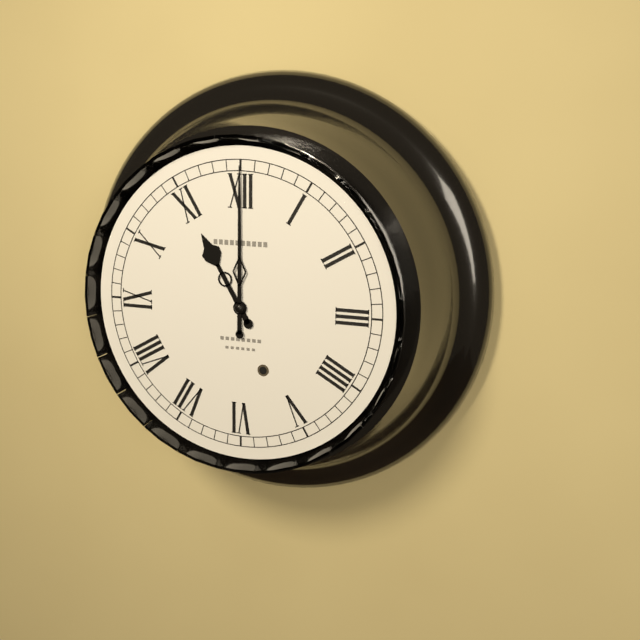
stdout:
11:00
